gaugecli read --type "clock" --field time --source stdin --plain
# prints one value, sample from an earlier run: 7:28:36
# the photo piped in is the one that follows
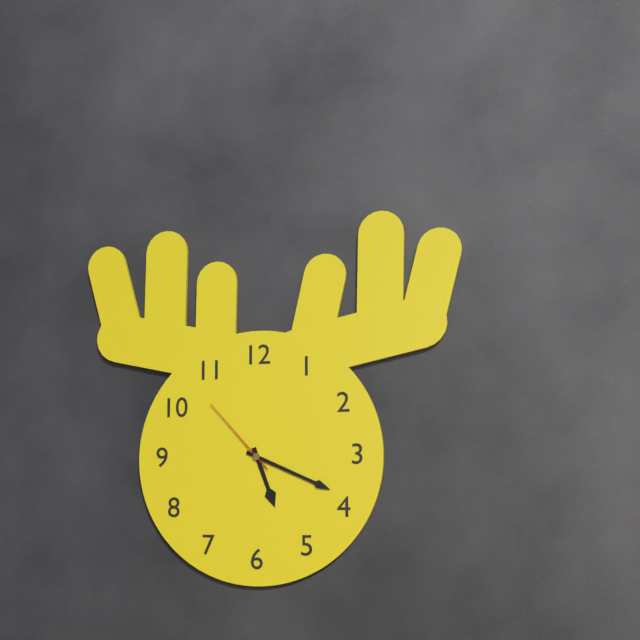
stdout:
5:19:53
